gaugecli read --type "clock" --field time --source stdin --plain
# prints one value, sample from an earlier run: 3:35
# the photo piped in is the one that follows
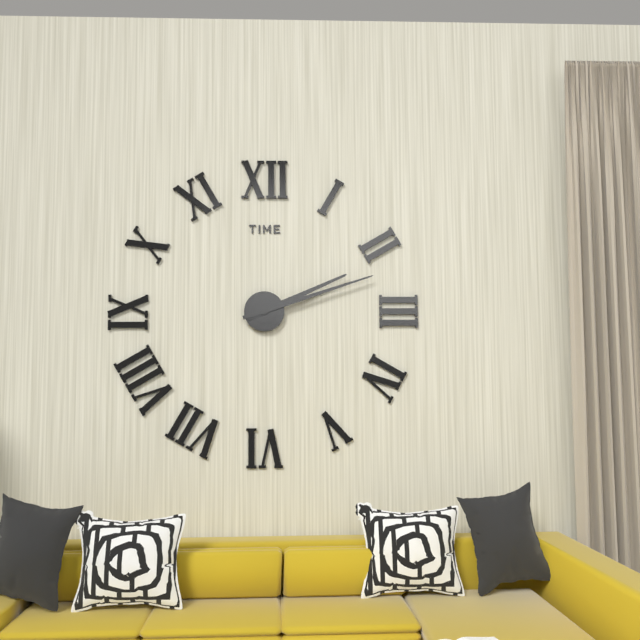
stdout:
2:12
